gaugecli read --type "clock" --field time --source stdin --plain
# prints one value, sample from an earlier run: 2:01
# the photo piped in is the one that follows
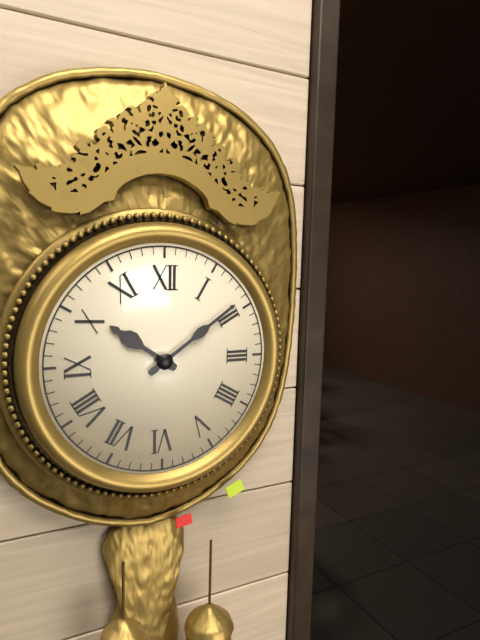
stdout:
10:09
